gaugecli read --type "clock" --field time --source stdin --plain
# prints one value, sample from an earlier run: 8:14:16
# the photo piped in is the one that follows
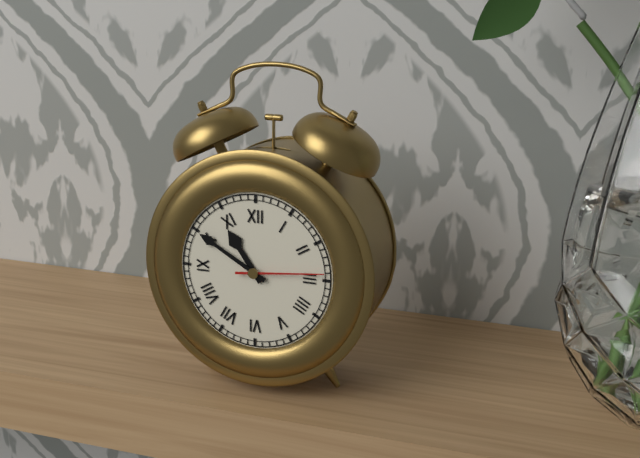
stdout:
10:50:14
